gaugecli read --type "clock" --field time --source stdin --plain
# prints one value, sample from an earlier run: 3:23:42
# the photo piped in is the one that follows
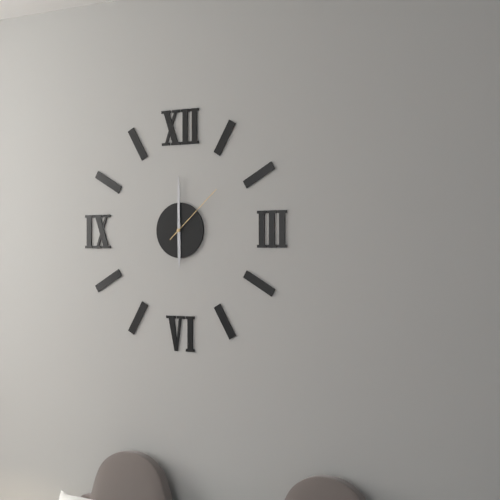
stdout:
6:00:08
